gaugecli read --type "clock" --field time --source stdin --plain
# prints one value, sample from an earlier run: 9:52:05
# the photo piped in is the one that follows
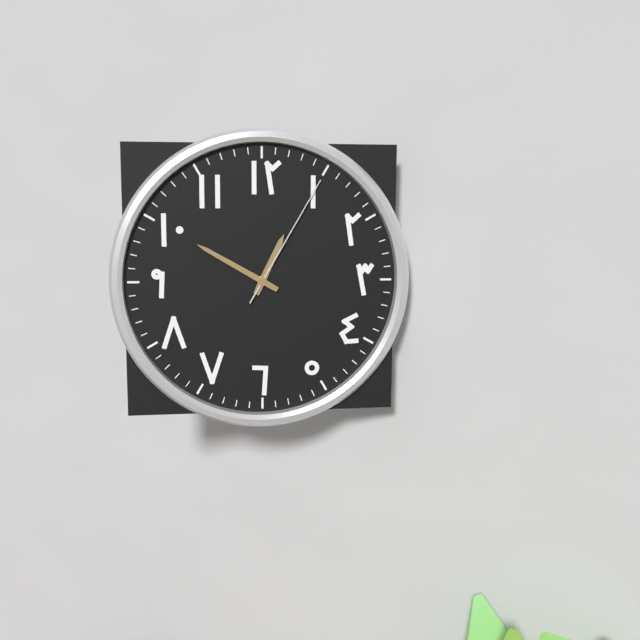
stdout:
12:50:05
